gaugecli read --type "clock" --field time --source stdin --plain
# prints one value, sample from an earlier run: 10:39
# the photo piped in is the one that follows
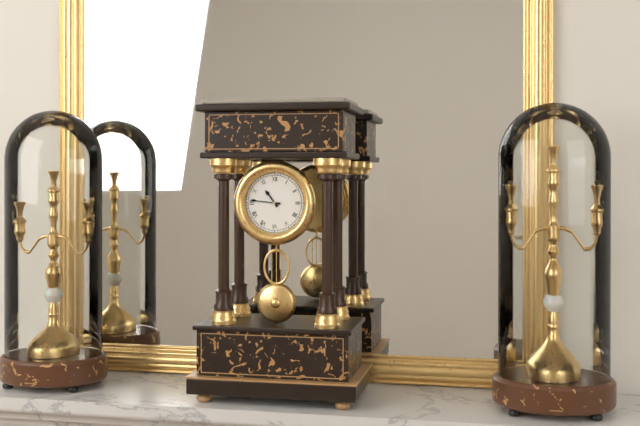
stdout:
10:46
